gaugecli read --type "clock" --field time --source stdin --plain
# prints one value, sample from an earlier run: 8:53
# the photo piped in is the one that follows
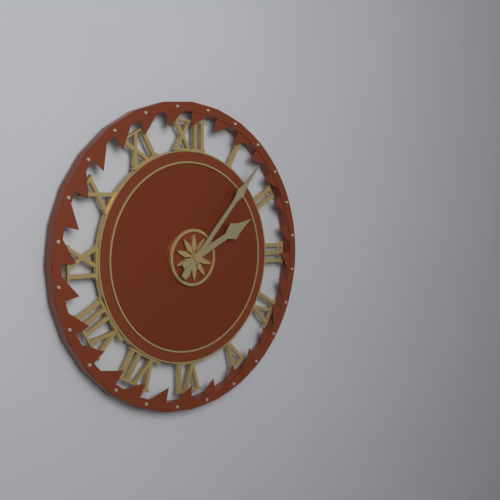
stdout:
2:07
